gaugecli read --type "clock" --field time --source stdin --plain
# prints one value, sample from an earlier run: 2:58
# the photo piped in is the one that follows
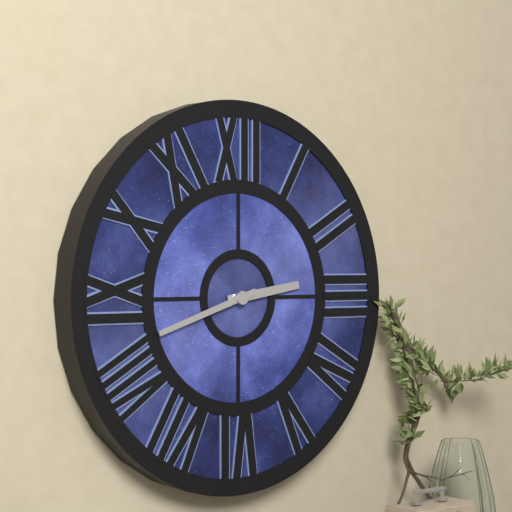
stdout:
2:42
